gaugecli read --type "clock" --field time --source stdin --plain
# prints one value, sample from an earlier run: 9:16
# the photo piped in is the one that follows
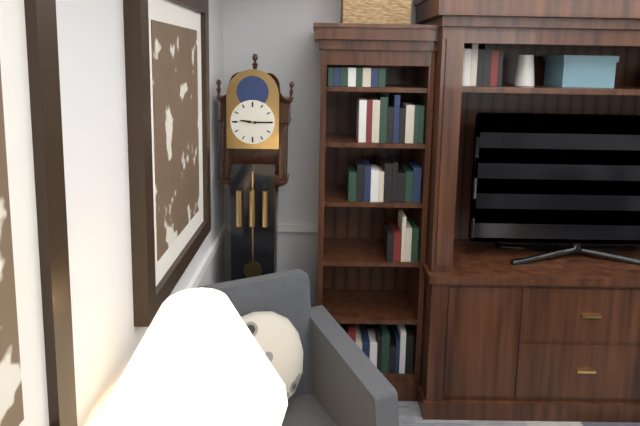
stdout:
9:15
